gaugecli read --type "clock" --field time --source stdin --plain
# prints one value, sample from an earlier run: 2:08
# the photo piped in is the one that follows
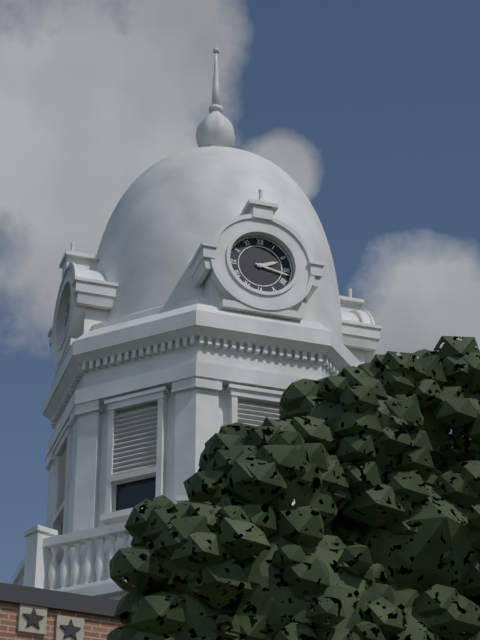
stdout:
2:17
